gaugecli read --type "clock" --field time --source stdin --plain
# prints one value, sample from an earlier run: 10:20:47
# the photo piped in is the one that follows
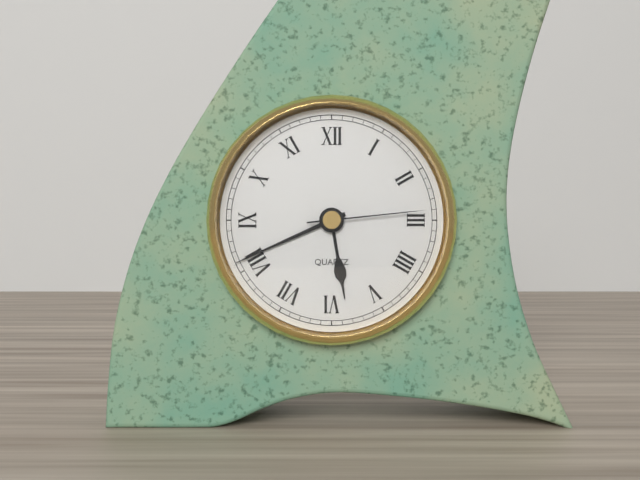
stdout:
5:41:14
